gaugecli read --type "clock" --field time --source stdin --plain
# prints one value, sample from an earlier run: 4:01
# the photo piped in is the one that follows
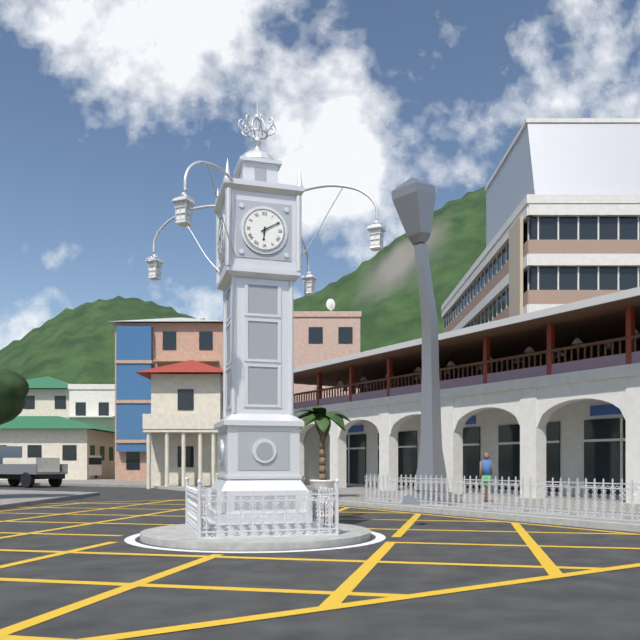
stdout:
6:10
